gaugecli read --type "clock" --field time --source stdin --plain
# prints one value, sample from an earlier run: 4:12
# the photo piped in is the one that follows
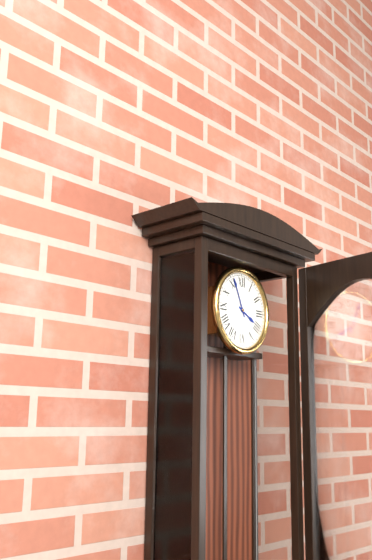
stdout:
3:56
